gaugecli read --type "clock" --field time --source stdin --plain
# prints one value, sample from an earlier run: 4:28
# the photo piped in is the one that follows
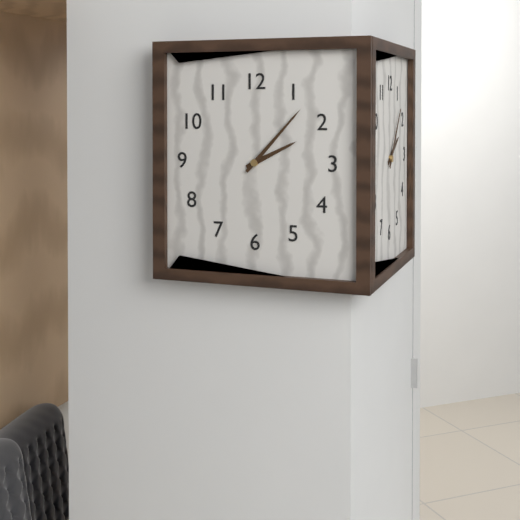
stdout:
2:07
